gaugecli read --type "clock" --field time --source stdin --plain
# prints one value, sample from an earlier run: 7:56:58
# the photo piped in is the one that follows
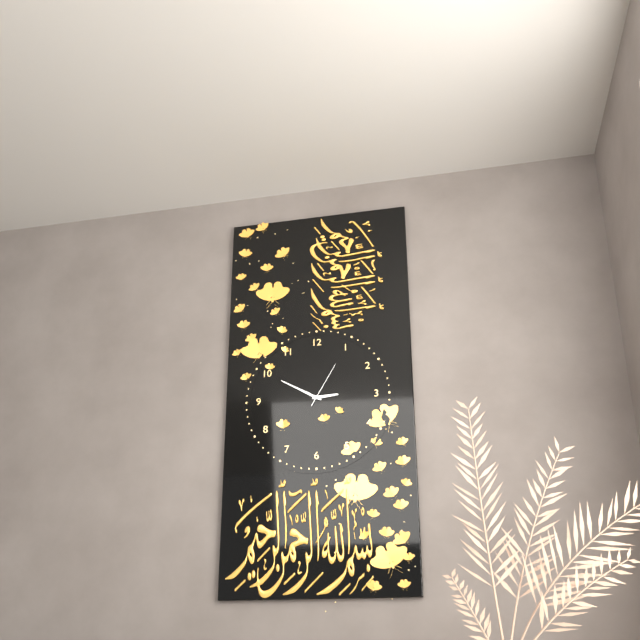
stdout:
2:50:05
